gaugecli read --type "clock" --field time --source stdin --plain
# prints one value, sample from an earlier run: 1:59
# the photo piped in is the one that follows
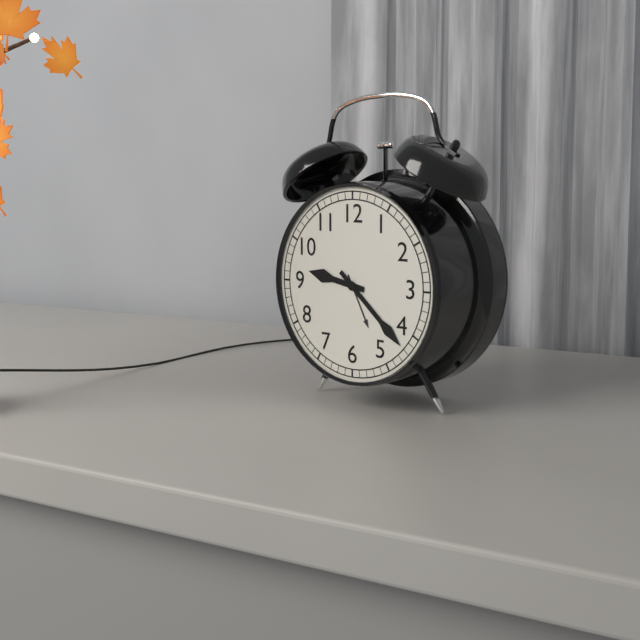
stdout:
9:22
